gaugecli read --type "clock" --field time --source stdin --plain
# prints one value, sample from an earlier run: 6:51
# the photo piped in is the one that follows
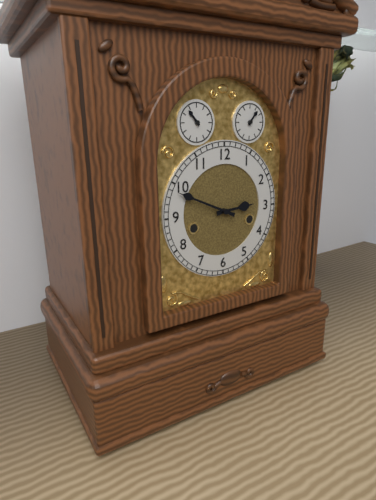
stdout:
2:49
